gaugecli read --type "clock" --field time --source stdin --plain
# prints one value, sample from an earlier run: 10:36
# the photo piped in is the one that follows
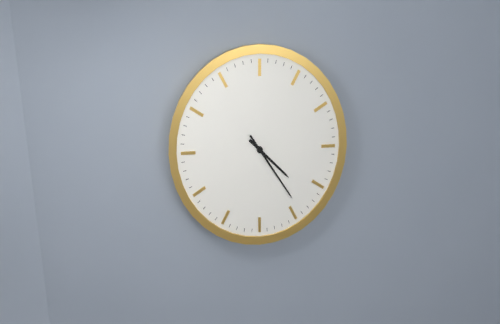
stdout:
4:24
